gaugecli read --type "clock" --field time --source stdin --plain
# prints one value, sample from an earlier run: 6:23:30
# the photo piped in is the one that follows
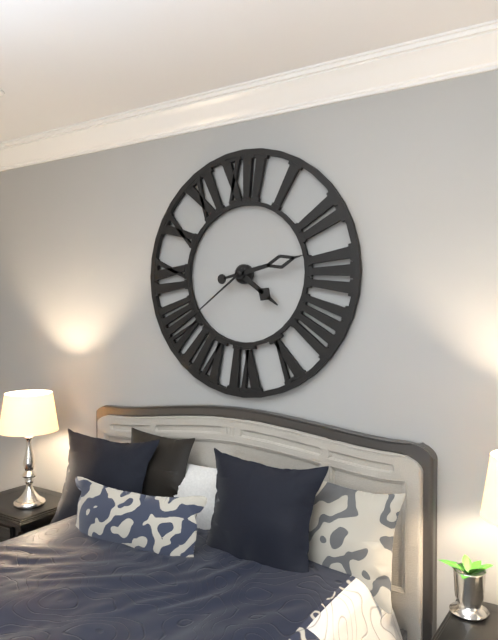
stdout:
4:13:39
